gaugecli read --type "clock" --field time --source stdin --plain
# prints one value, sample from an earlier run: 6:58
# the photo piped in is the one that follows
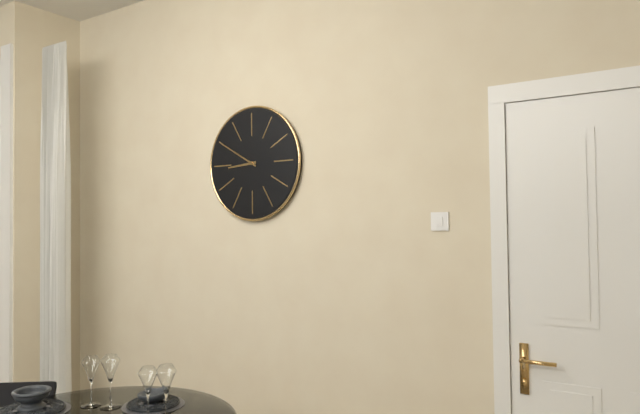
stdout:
8:50
